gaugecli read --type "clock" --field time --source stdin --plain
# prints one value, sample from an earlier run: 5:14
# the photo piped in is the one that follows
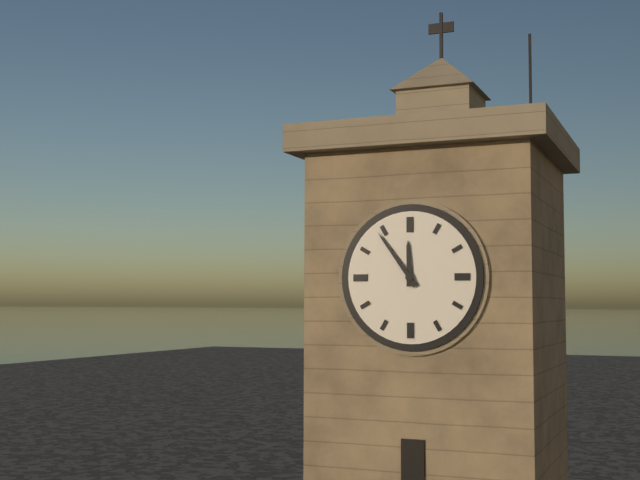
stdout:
11:54
